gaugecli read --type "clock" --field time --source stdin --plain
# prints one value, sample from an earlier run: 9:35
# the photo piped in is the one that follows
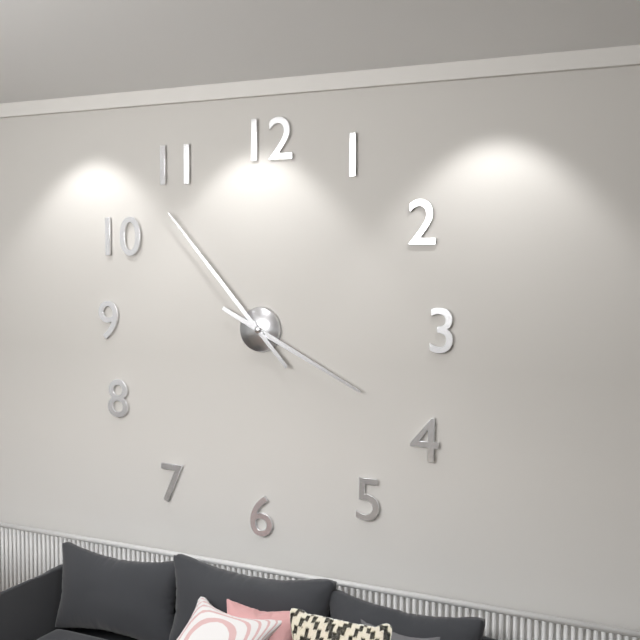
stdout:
3:53
